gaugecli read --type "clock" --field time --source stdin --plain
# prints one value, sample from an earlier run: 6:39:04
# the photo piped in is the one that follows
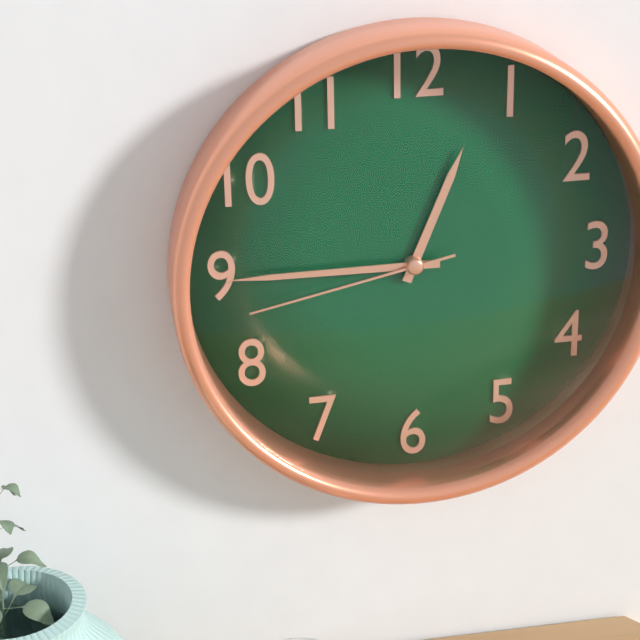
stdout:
12:45:43
